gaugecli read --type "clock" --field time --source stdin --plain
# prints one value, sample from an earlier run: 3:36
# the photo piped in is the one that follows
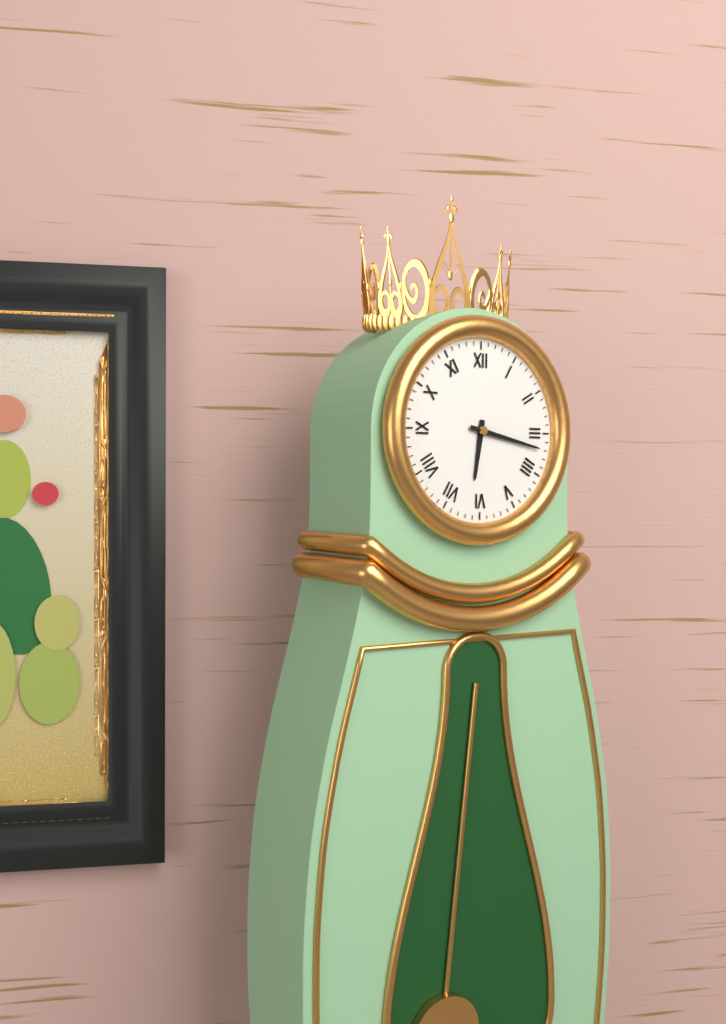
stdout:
6:17
